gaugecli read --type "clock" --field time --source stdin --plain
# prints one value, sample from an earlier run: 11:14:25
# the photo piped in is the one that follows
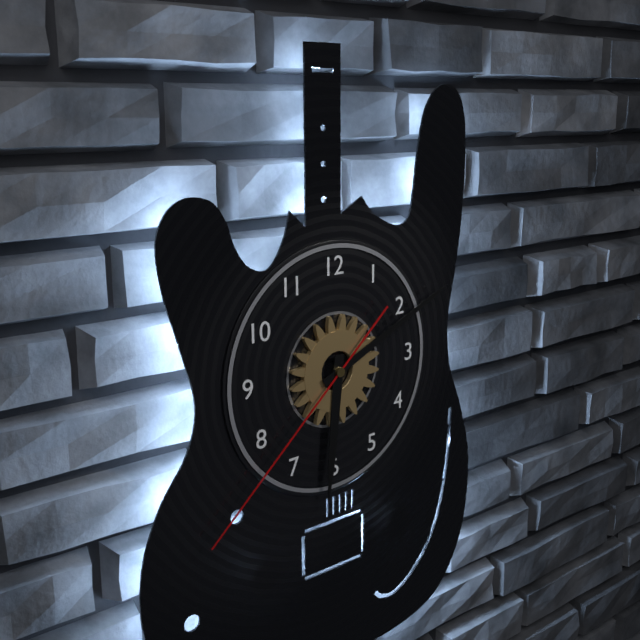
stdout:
6:11:38
